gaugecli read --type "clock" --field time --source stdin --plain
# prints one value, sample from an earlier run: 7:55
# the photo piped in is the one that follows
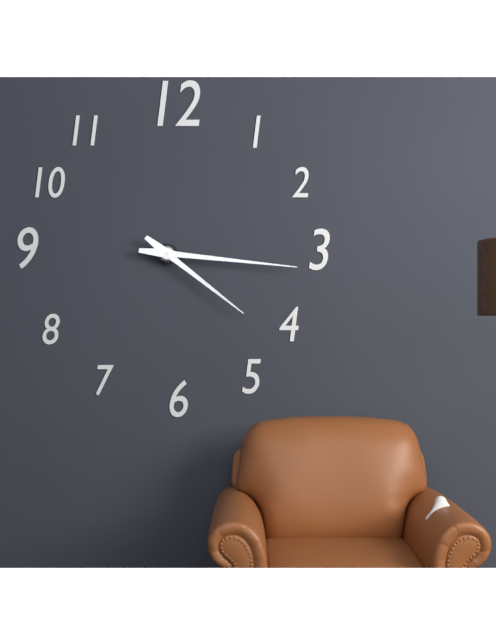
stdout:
4:16
